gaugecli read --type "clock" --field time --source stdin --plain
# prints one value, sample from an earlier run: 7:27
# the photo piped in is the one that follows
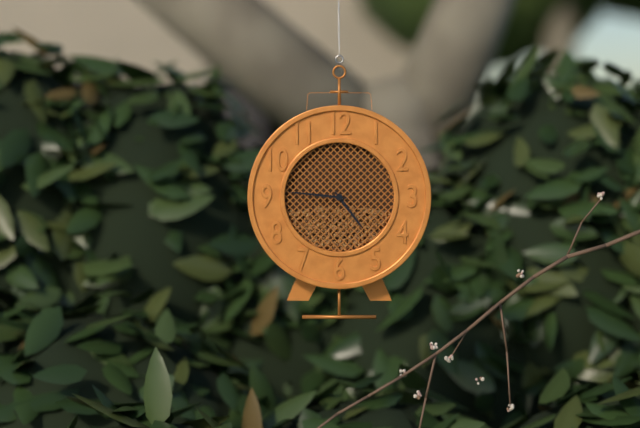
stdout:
4:46
